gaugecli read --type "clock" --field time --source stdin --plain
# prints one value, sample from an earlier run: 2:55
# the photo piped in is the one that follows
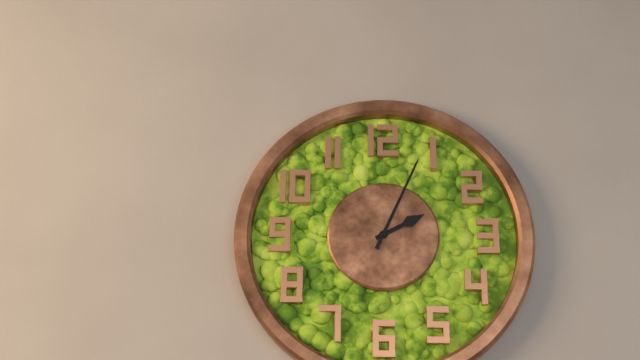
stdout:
2:04
